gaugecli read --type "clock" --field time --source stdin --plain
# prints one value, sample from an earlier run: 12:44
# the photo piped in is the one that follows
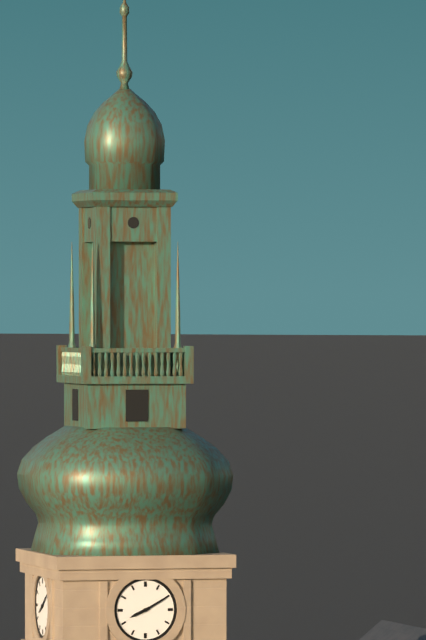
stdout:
8:10
